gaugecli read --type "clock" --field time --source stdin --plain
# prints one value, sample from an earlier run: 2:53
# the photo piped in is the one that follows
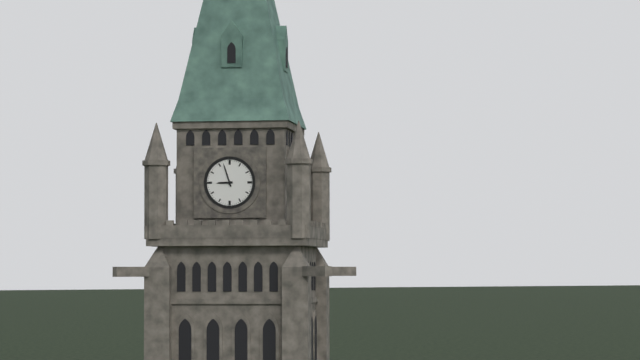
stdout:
8:57
